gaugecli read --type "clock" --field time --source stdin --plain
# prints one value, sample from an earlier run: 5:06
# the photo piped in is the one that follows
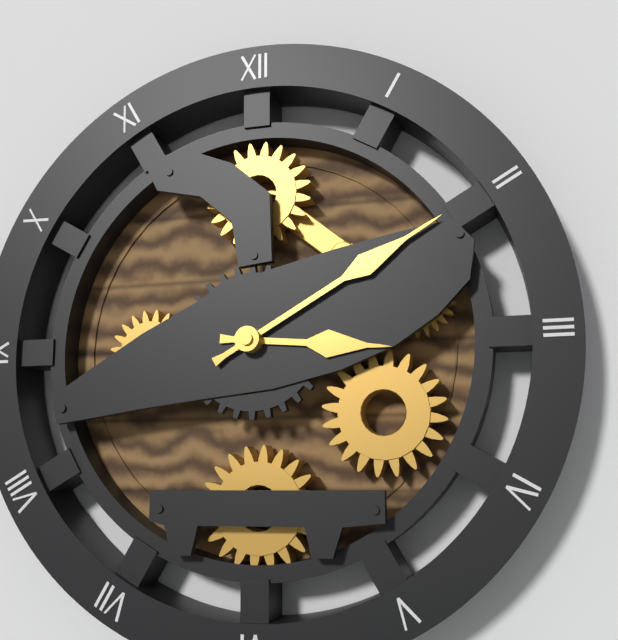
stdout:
3:10
